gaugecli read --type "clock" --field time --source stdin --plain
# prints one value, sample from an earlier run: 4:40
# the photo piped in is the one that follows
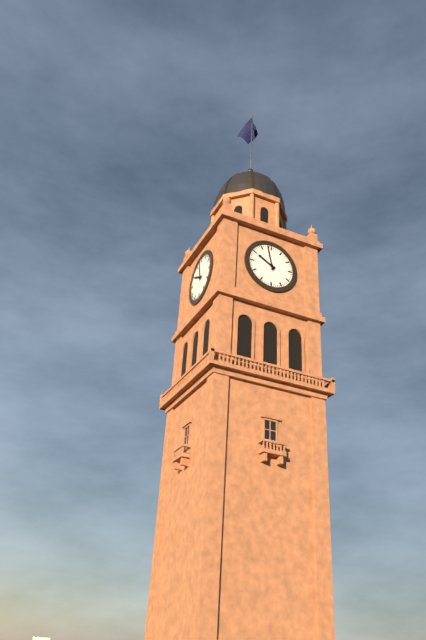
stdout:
9:58
